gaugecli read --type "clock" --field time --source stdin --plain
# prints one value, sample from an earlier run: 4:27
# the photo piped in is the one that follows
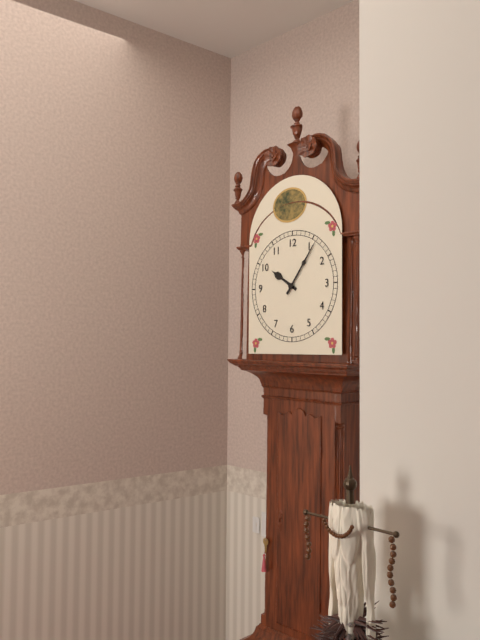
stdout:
10:06
